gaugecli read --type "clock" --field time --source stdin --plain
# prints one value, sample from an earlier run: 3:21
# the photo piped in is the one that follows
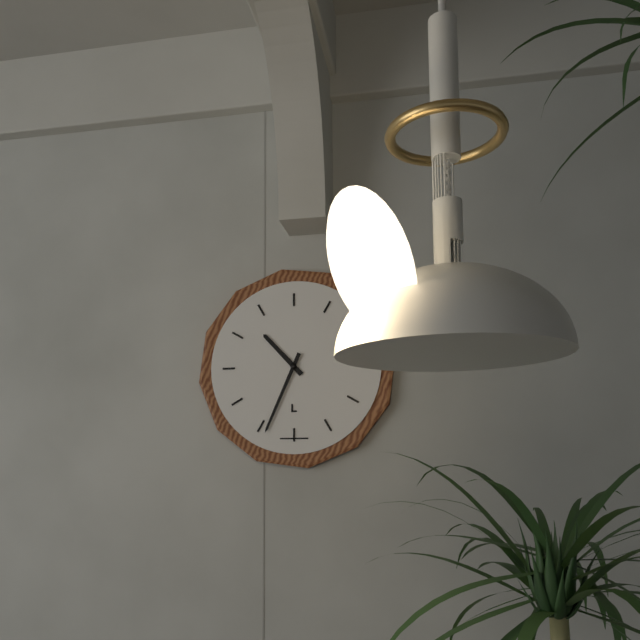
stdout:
10:34
